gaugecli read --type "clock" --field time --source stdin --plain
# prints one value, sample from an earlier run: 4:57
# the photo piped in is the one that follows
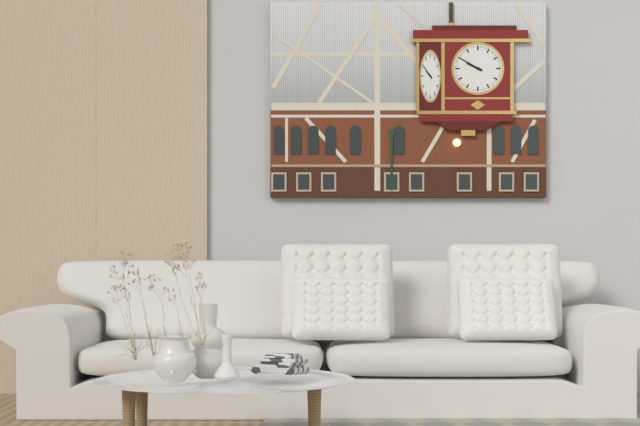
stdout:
9:50
